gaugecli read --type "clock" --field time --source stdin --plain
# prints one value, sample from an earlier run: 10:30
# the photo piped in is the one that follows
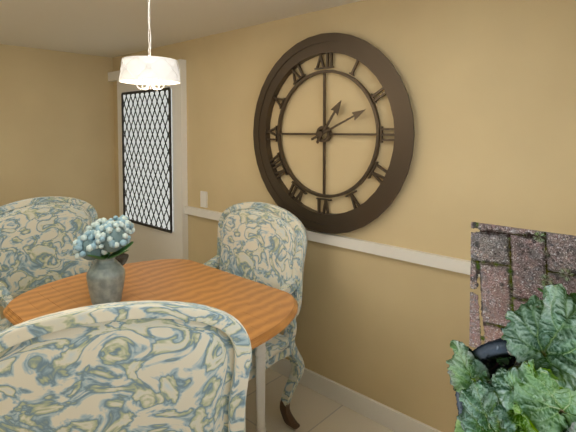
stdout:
1:11
